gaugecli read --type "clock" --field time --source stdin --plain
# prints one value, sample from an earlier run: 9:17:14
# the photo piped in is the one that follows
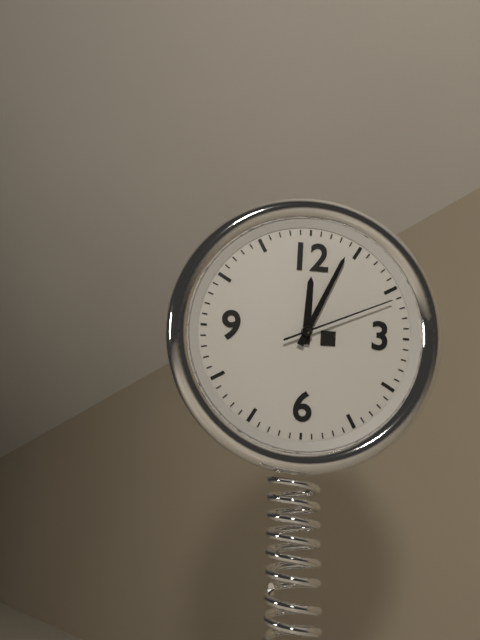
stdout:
12:04:11
